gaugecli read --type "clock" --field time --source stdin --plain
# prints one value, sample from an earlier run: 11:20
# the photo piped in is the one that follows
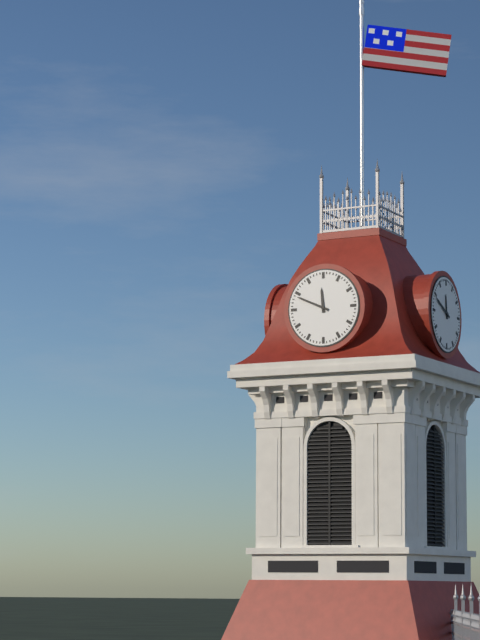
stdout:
11:49
